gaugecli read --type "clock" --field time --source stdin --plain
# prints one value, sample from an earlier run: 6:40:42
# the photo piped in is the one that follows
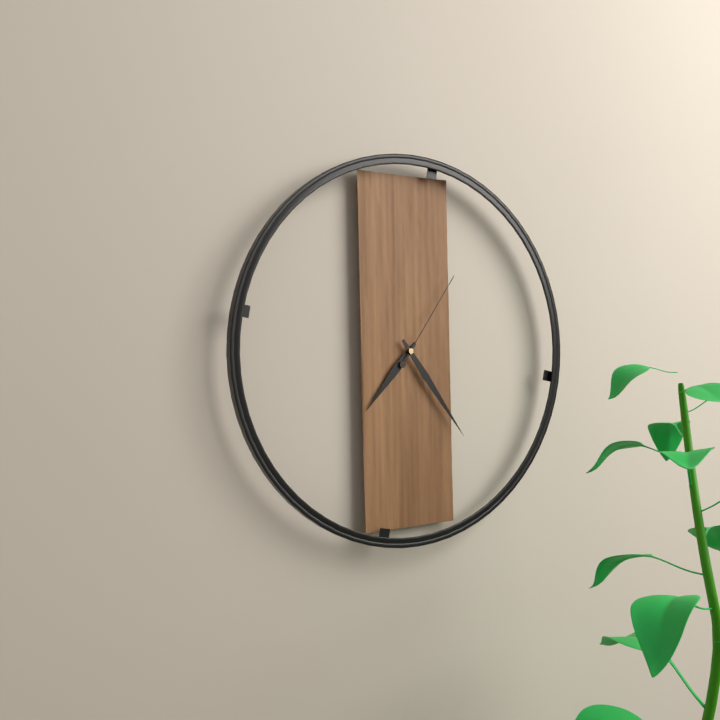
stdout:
7:24:06
